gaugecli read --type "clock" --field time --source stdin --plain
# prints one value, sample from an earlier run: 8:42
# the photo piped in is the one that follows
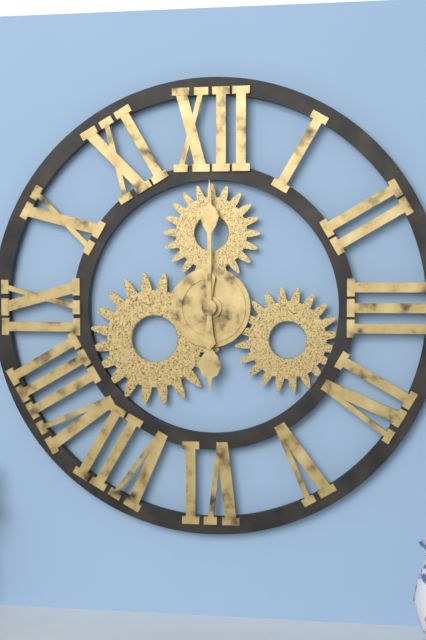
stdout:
6:00
